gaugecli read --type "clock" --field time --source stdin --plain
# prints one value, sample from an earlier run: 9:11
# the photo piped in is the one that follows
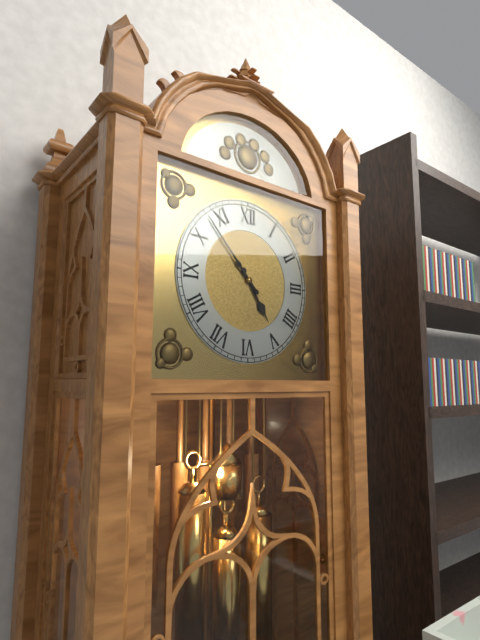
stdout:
4:53
